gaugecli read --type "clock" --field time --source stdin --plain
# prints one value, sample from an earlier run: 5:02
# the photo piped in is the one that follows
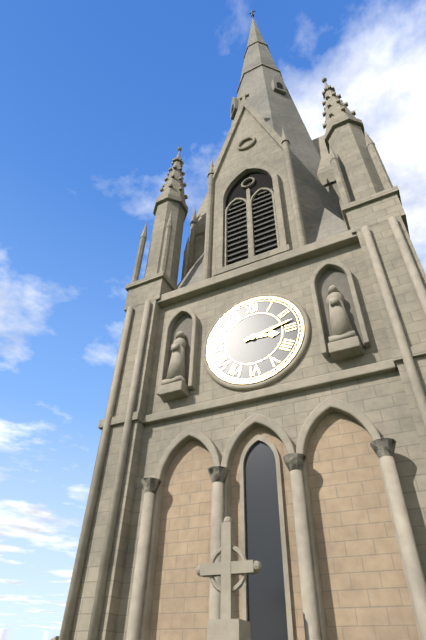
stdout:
3:13
